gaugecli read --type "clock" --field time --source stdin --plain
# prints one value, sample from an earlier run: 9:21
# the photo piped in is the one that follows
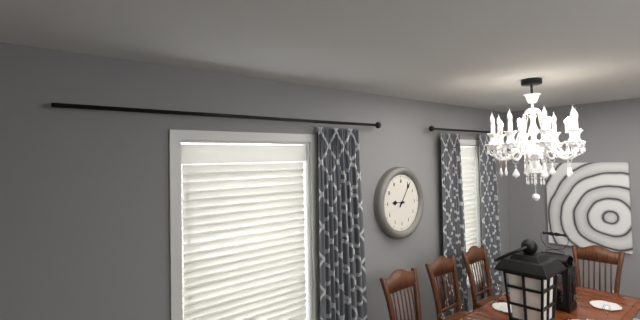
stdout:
9:06
